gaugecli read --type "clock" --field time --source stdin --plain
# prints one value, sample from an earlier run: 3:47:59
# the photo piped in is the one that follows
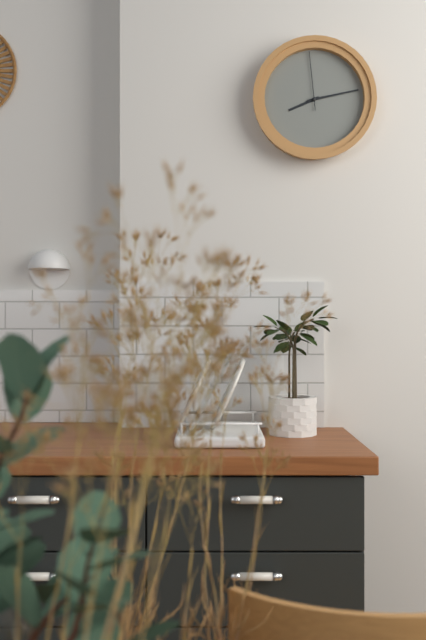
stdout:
8:13:59
